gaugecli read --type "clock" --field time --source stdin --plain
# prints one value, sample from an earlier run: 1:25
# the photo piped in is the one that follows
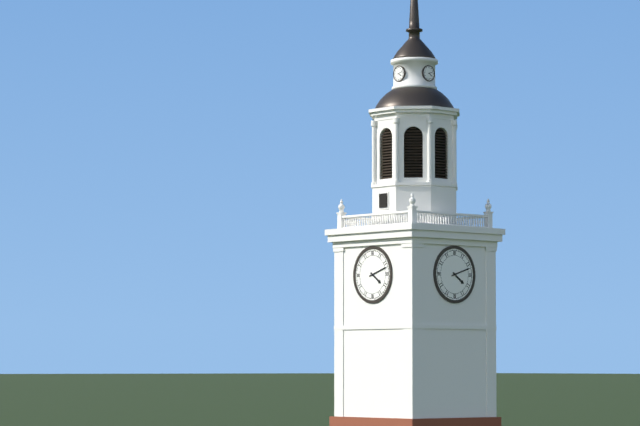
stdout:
4:12
